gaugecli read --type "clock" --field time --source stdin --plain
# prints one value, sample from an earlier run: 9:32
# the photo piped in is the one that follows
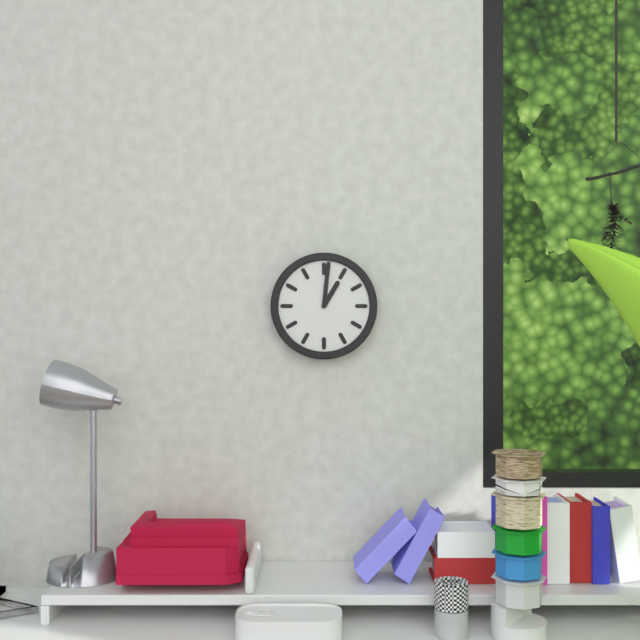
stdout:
1:01
